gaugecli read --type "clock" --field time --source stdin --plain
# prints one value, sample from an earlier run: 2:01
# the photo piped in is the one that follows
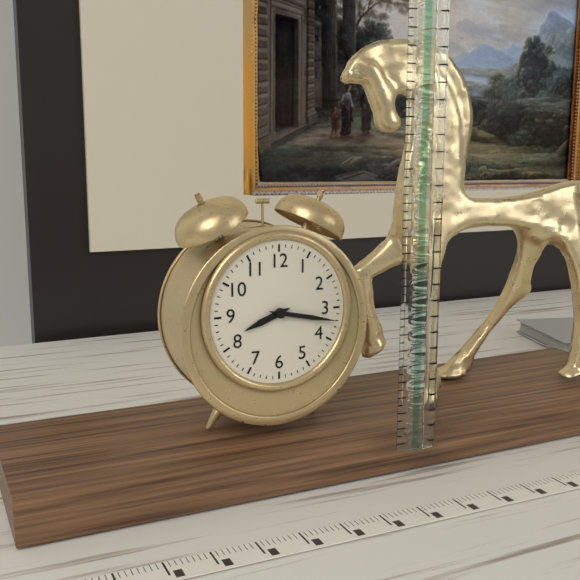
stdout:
8:17
